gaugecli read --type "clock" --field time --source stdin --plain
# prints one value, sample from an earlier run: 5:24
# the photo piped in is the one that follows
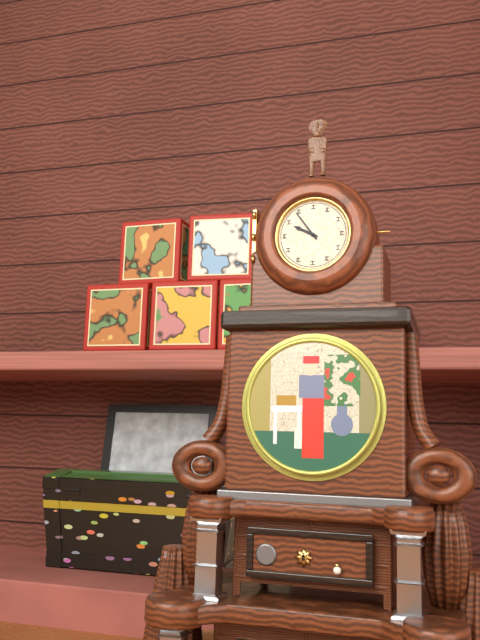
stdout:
9:54
